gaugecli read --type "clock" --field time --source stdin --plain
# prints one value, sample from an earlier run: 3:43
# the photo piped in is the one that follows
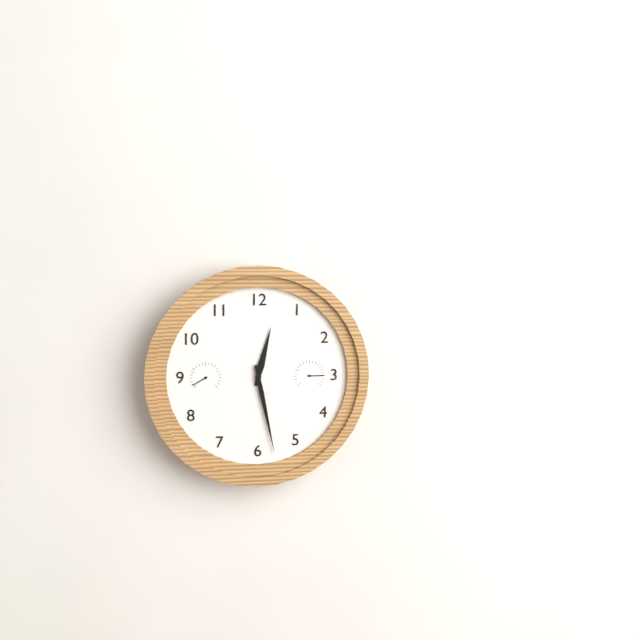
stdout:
12:28
